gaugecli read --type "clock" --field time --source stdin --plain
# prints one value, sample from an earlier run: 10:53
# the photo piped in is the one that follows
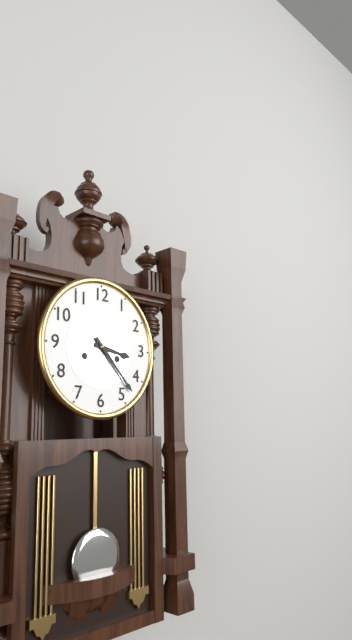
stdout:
3:23
